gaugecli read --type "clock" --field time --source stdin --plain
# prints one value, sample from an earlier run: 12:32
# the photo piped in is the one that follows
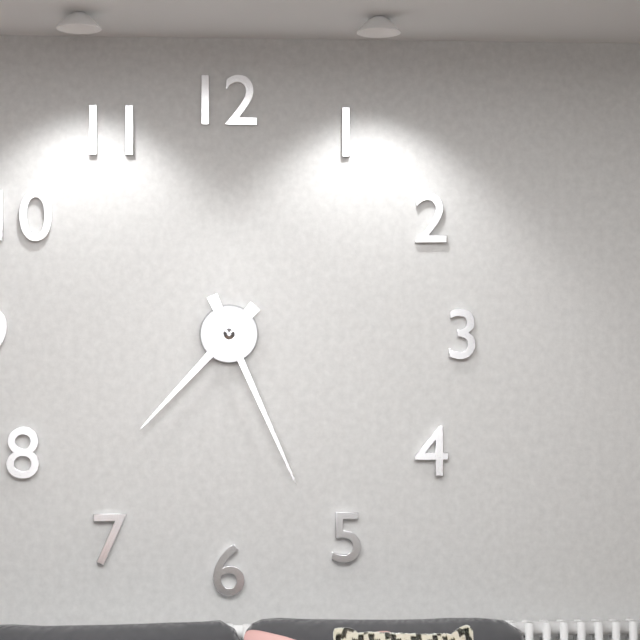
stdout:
7:26
